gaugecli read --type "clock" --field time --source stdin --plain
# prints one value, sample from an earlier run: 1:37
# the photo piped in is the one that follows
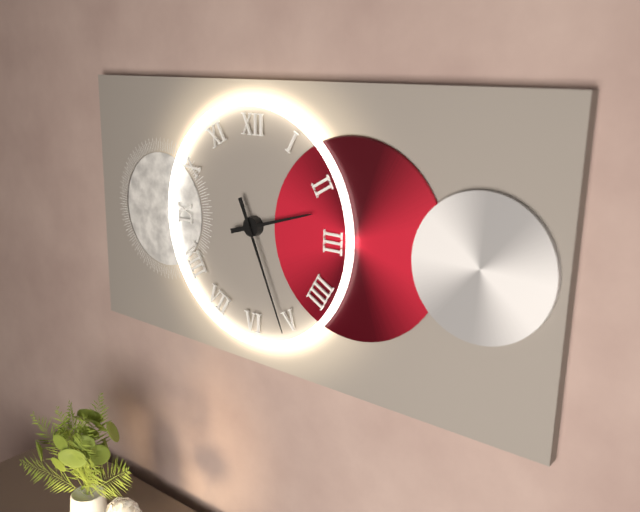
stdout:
2:26
